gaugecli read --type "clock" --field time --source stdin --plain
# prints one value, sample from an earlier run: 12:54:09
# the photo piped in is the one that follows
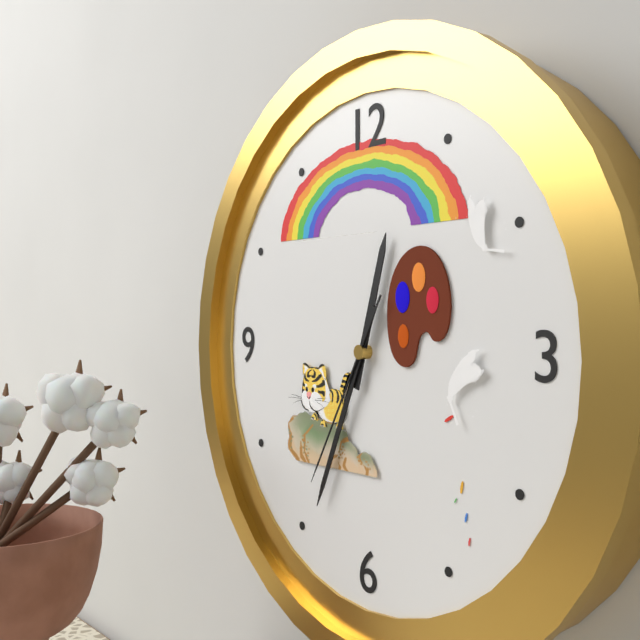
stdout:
12:34:35
